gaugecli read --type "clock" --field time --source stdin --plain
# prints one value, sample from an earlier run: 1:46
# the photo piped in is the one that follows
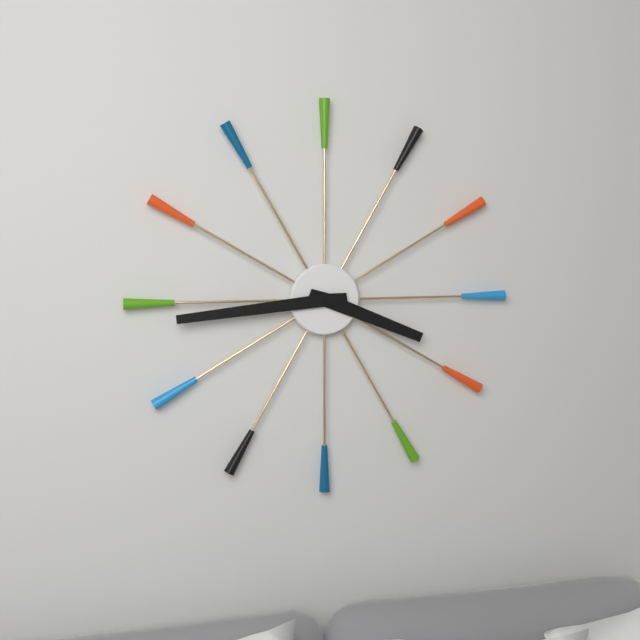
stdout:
3:44
